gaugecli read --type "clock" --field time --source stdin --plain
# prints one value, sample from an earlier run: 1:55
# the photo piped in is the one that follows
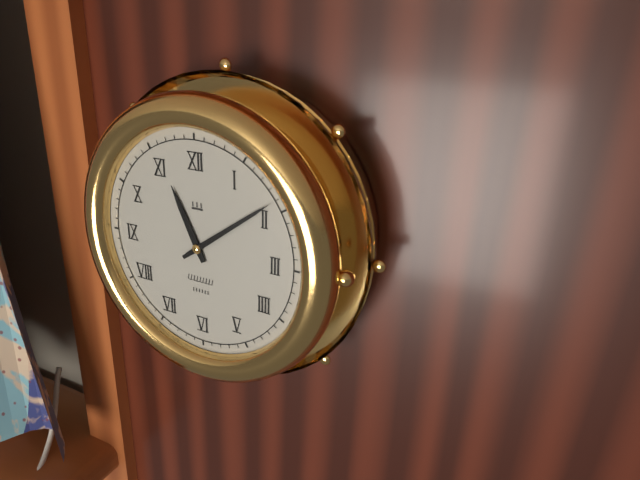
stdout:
11:09
